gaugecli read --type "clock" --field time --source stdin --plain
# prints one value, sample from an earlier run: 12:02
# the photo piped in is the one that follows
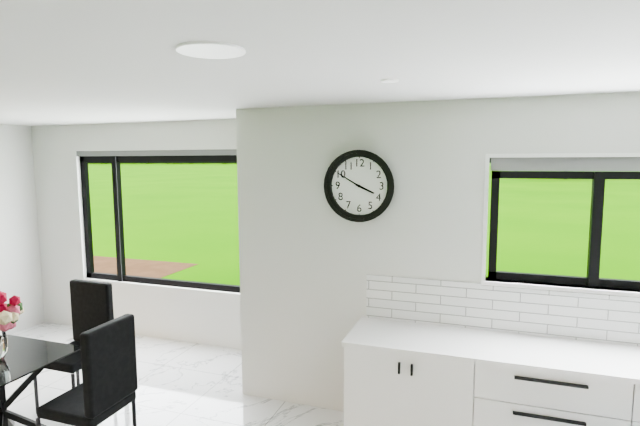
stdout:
3:50
